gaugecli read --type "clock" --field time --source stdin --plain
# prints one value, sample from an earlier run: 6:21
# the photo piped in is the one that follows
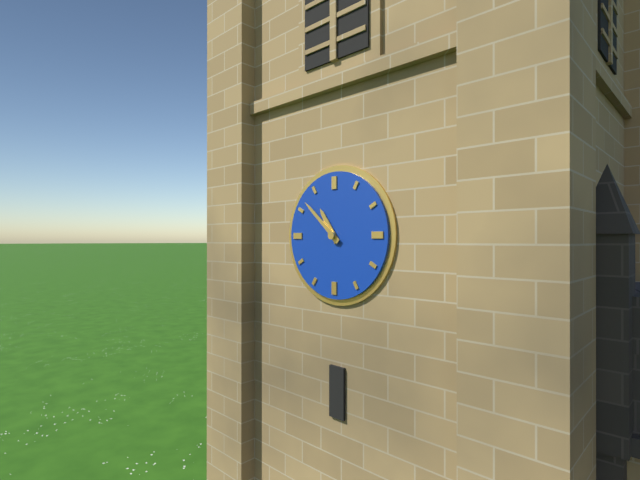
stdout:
10:52
